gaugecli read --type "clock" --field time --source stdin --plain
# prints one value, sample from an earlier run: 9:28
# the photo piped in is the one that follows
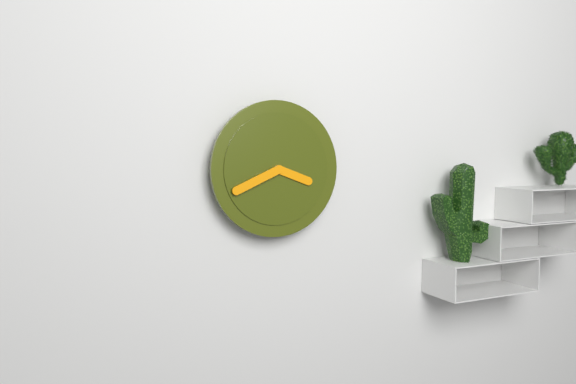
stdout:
3:41
